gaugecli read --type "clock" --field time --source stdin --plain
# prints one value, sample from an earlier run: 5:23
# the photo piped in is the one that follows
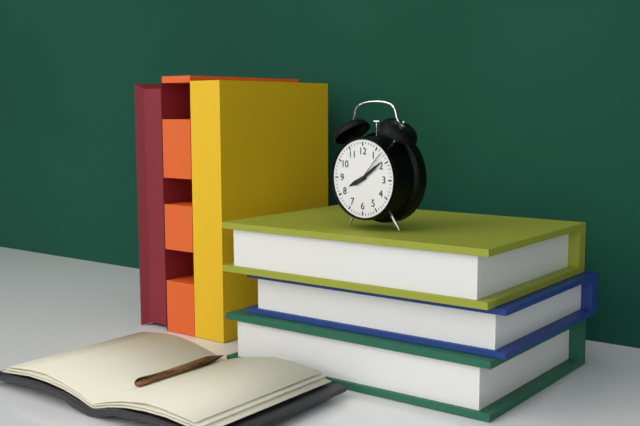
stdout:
8:09
